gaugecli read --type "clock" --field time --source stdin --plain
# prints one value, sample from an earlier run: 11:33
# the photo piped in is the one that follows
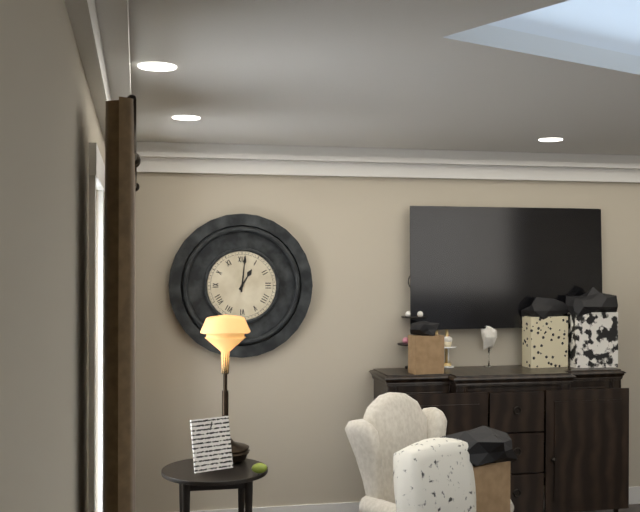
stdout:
1:01
